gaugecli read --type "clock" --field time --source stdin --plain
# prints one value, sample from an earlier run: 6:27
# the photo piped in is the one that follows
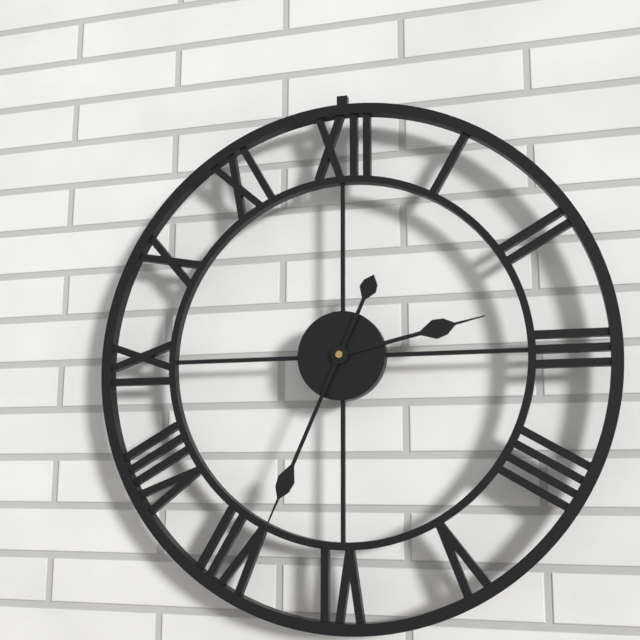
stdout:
2:34
